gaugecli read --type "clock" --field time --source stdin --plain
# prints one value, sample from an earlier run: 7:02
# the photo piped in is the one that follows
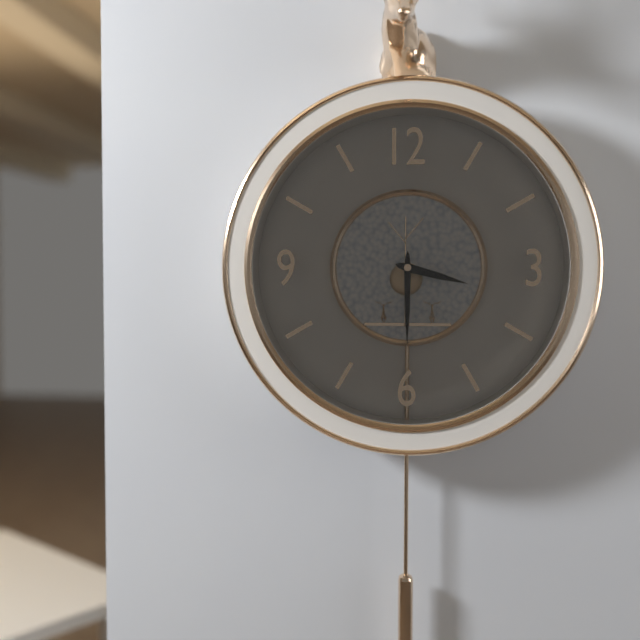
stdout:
3:30
